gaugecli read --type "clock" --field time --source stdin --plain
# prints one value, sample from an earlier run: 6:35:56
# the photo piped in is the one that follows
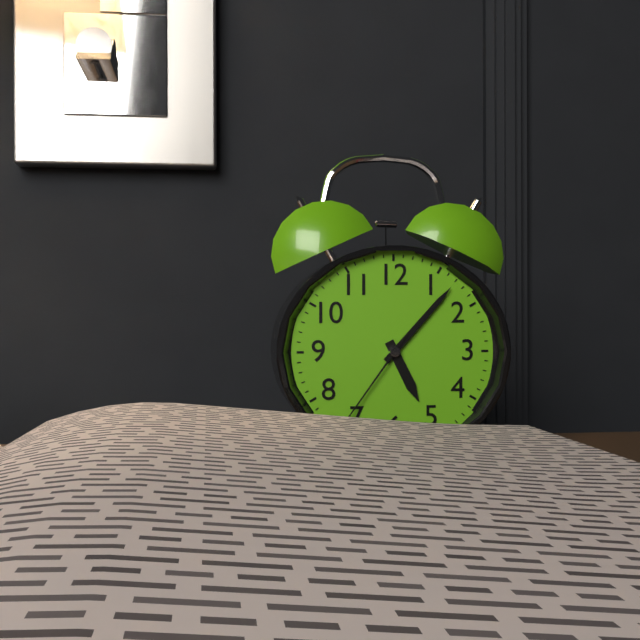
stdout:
5:07:36
